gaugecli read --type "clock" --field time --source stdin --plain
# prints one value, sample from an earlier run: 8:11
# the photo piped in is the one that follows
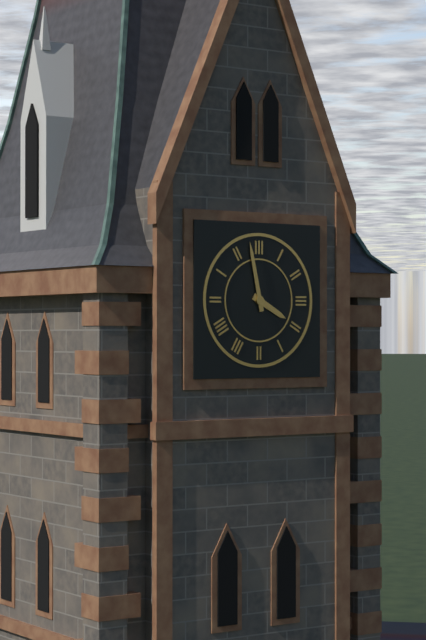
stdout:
3:58
